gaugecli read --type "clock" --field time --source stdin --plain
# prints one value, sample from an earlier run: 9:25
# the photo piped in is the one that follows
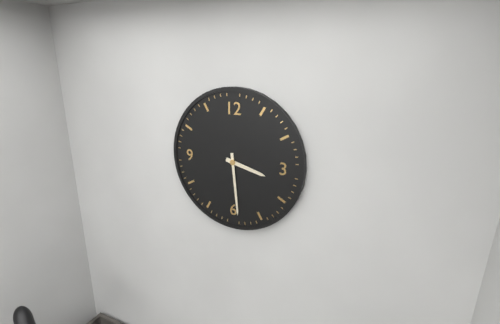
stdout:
3:29
